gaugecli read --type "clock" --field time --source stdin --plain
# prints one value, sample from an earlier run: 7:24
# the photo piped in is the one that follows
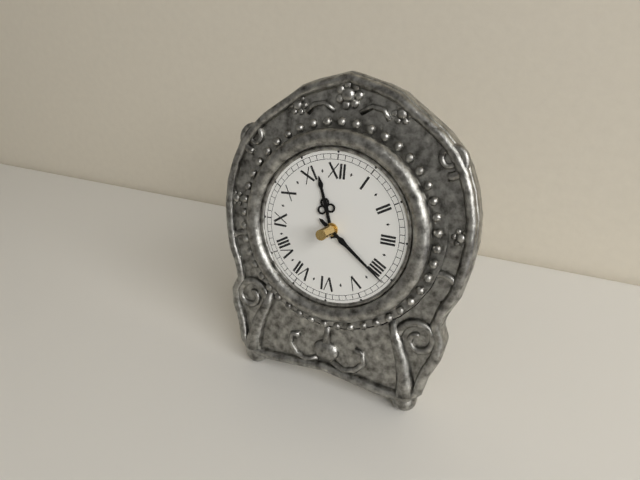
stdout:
11:21
